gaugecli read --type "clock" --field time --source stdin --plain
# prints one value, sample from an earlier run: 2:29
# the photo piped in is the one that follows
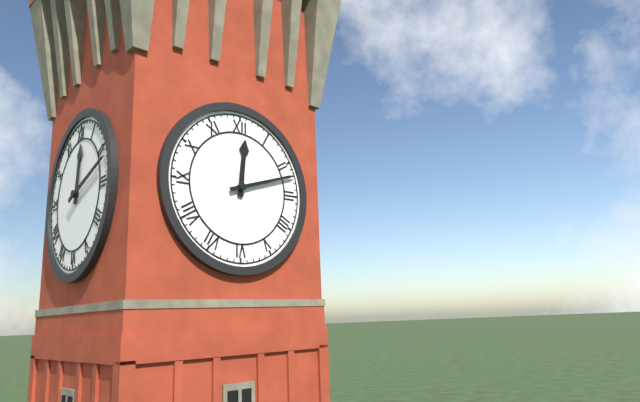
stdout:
12:12
